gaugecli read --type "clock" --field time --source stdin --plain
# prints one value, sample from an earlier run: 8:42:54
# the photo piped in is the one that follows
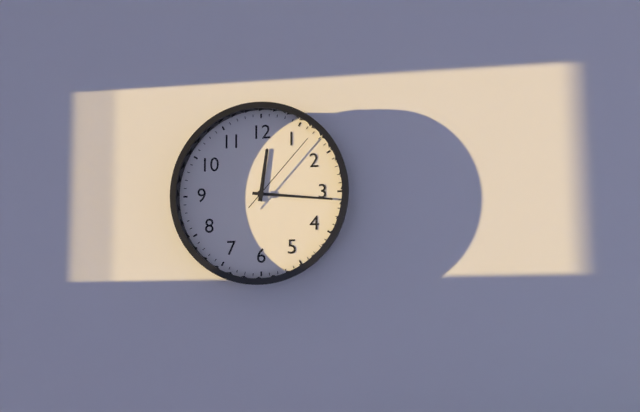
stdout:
12:16:07
